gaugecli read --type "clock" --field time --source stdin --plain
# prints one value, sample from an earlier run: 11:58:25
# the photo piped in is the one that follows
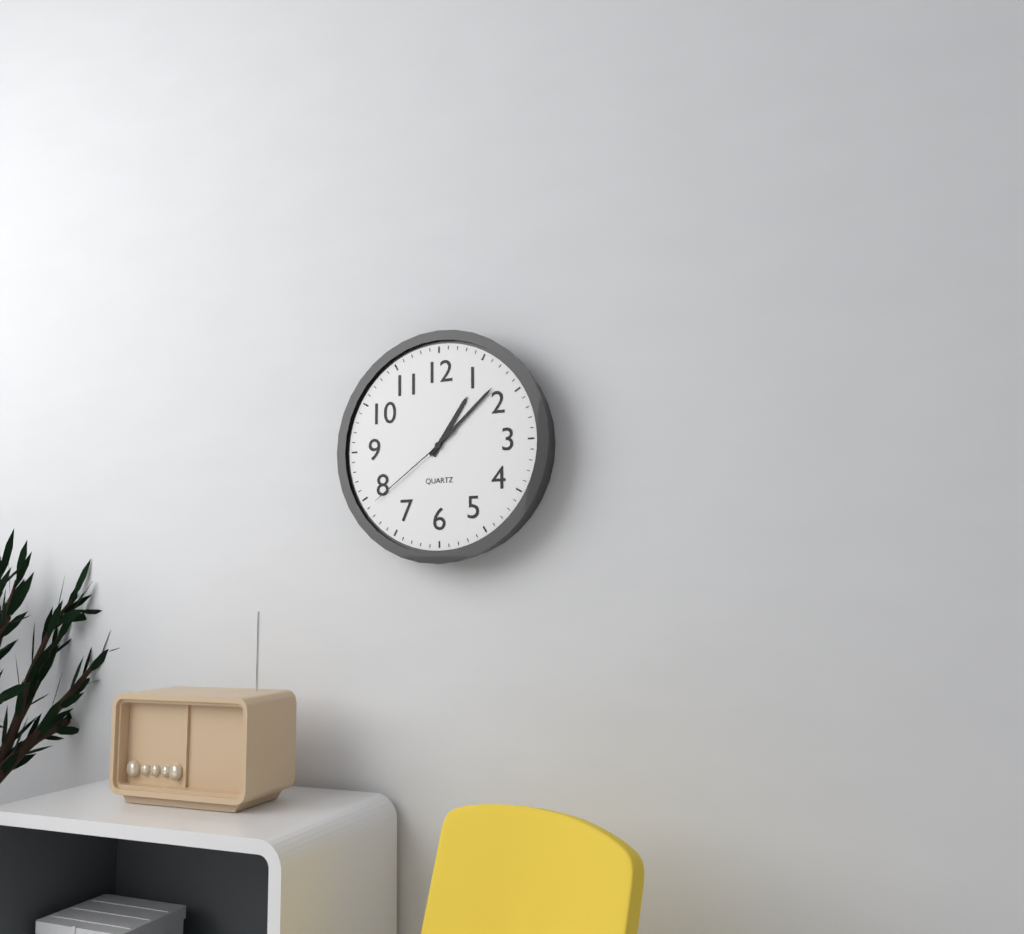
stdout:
1:08:39
